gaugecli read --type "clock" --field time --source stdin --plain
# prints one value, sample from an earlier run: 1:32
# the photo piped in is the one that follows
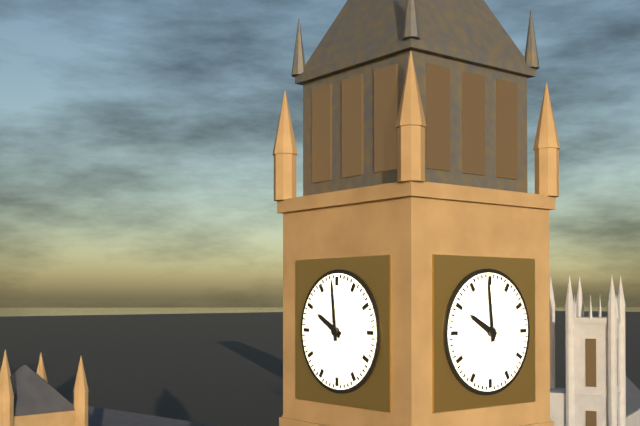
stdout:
9:59
